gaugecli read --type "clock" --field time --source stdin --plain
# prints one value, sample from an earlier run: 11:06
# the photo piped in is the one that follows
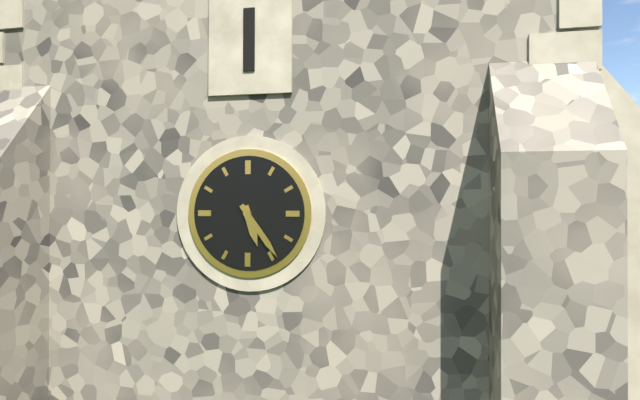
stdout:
5:24
